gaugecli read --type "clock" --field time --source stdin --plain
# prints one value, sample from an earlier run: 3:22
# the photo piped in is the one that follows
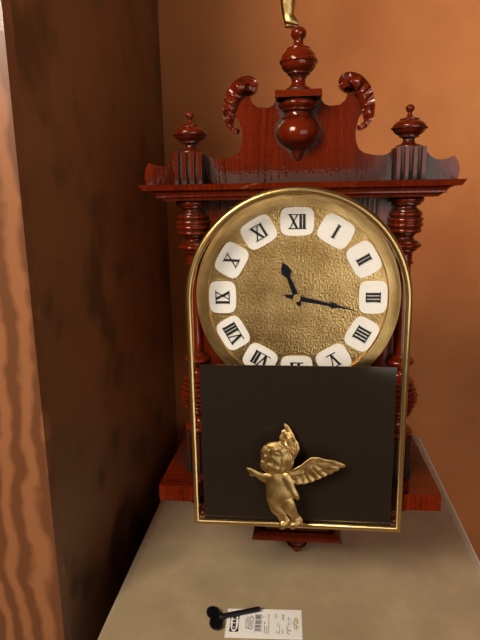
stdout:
11:17
